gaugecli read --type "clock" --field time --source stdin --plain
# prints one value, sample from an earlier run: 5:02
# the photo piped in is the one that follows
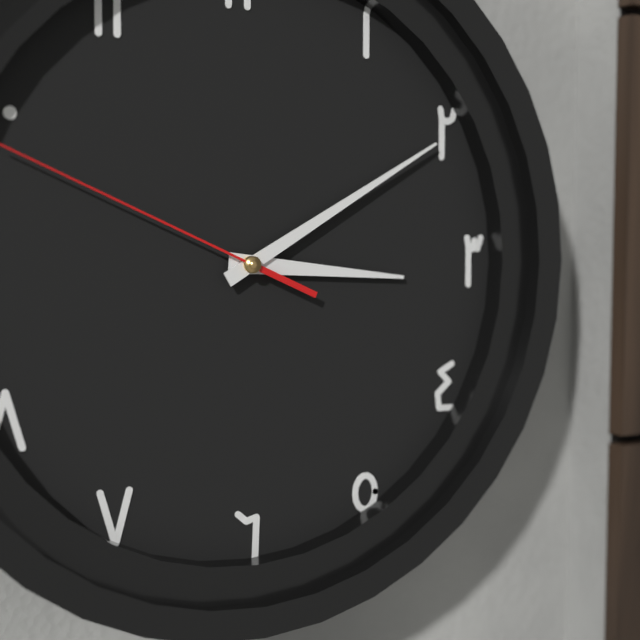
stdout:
3:10
